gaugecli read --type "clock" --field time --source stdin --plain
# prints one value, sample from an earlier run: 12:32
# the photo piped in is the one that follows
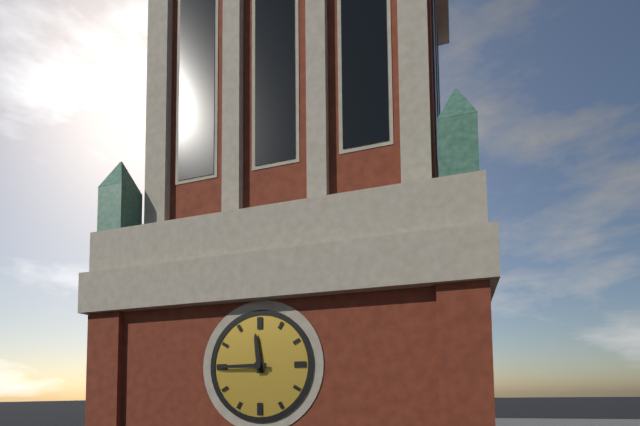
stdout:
11:45
